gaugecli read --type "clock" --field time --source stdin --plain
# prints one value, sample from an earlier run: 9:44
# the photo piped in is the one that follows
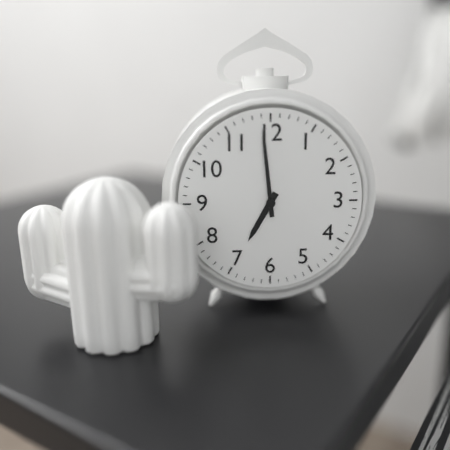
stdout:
6:59
